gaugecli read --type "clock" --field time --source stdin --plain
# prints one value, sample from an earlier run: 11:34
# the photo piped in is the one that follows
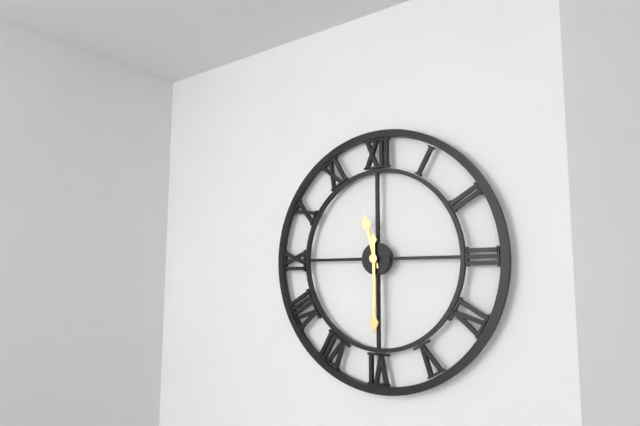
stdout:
11:30
